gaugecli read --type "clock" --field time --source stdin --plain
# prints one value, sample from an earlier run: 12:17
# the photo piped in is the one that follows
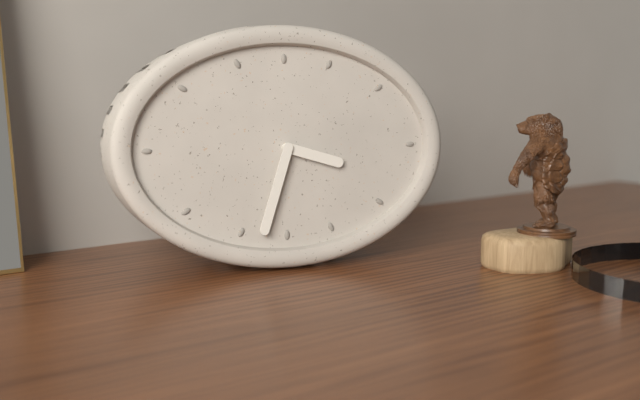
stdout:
3:33
